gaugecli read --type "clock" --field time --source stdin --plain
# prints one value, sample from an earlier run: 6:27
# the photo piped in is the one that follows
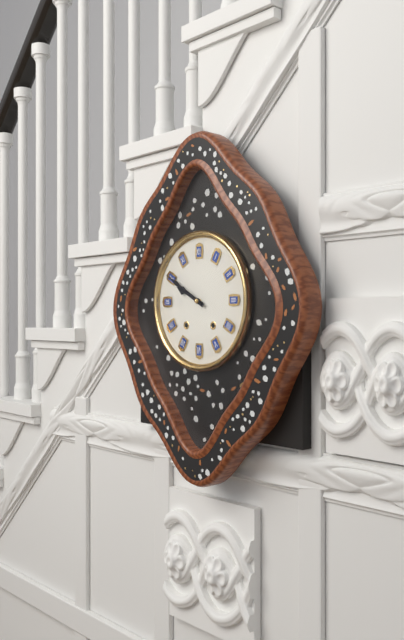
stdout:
9:50
